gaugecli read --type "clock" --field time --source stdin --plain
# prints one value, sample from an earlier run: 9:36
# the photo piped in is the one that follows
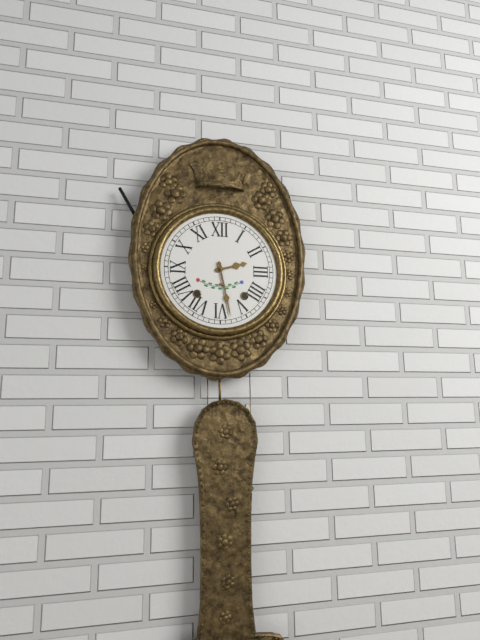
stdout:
2:28
